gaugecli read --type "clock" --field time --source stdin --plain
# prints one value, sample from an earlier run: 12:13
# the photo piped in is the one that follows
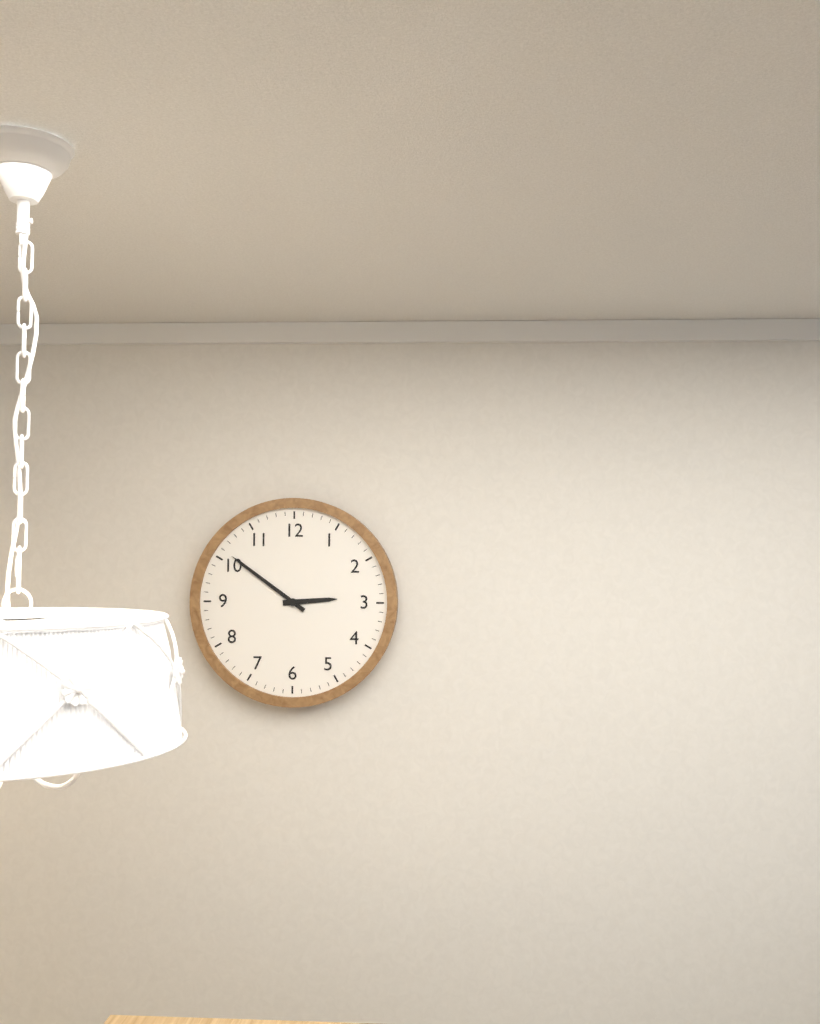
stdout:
2:51
